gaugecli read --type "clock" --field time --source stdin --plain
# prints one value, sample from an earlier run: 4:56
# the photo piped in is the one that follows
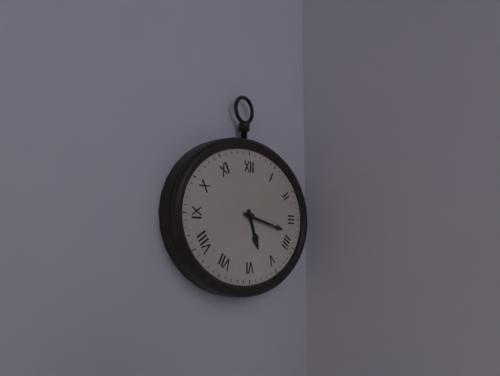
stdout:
5:17
